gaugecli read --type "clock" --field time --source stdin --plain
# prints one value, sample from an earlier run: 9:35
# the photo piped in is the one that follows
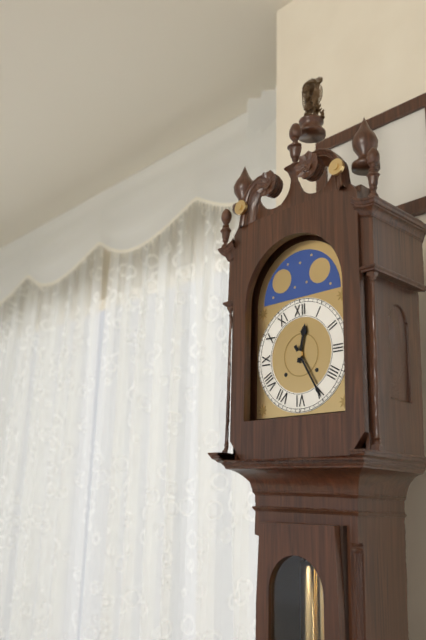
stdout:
12:25
